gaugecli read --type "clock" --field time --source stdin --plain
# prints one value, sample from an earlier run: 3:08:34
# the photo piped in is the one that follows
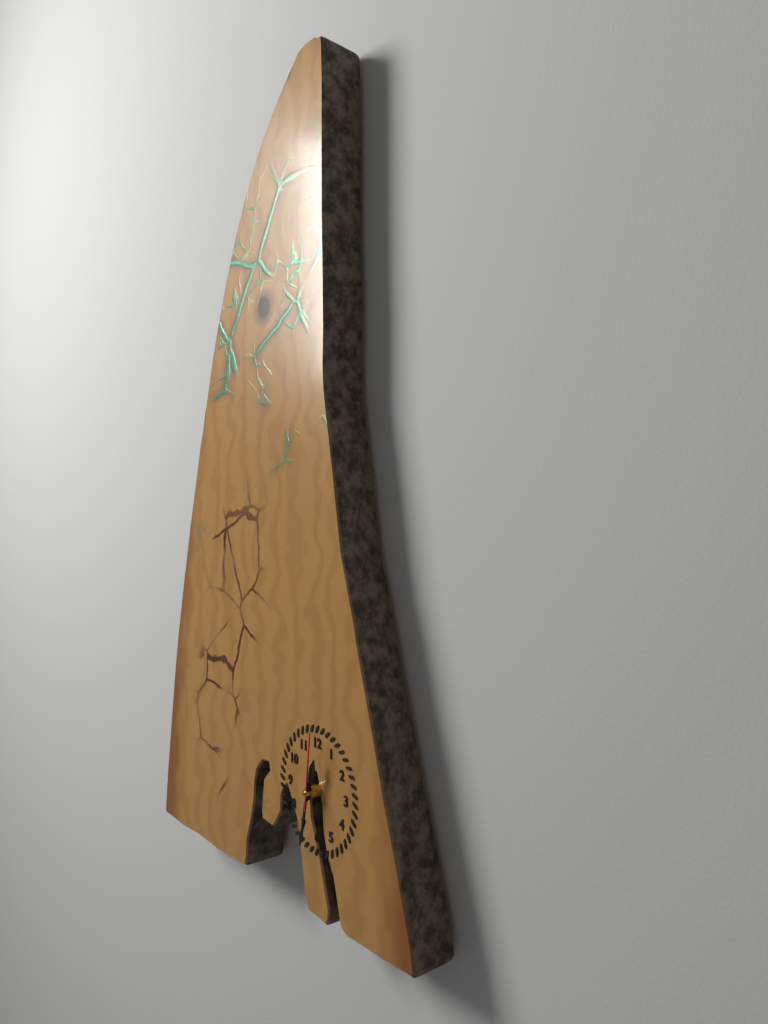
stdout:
12:32:01
